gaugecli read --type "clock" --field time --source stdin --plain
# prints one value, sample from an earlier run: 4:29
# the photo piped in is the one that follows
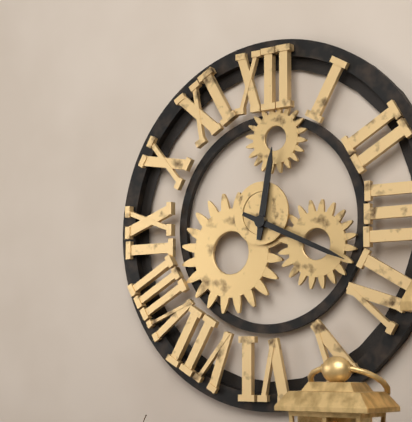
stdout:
12:19
